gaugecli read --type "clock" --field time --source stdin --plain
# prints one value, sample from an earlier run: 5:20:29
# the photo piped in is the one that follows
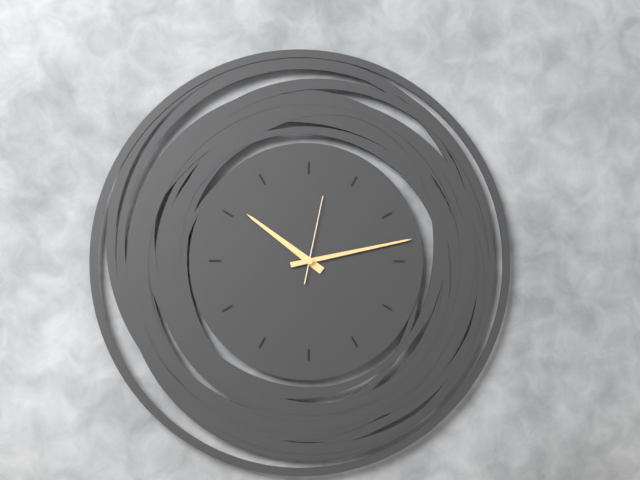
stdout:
10:13:02
